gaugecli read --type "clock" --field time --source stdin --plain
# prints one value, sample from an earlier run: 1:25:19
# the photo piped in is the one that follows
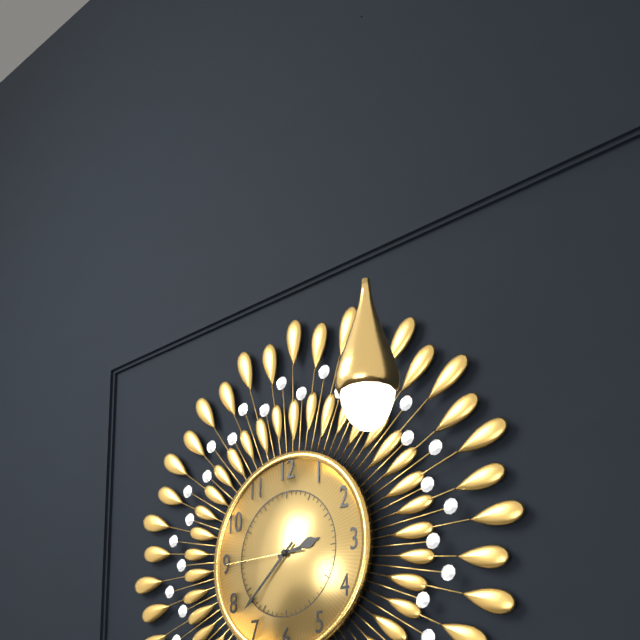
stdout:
2:38:45
